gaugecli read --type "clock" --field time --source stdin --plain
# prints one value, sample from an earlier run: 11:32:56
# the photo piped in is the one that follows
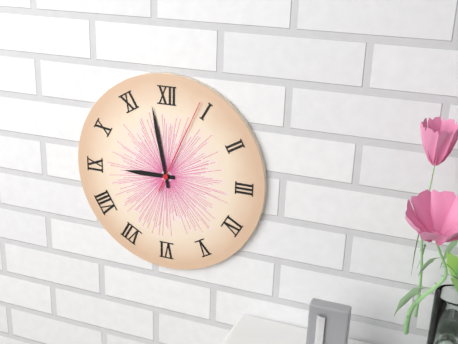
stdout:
8:58:04
